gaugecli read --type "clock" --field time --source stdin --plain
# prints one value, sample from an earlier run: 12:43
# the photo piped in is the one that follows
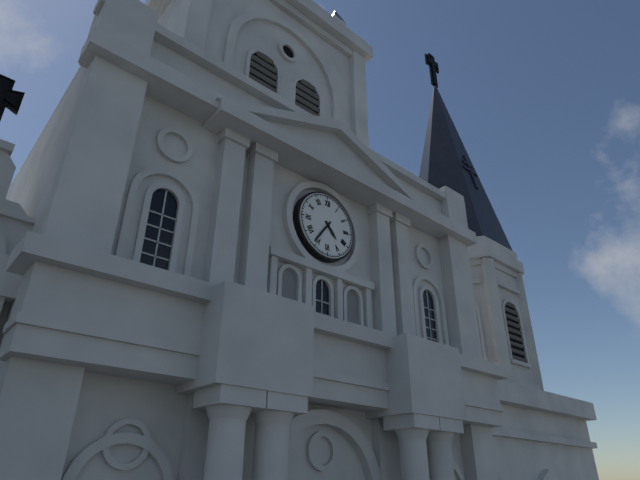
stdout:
4:36
